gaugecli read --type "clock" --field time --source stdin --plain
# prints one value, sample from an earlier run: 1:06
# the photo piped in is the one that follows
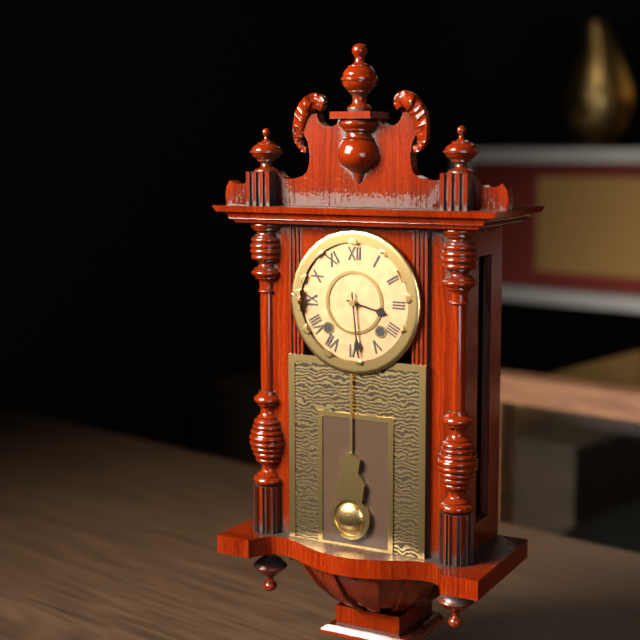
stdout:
3:29
